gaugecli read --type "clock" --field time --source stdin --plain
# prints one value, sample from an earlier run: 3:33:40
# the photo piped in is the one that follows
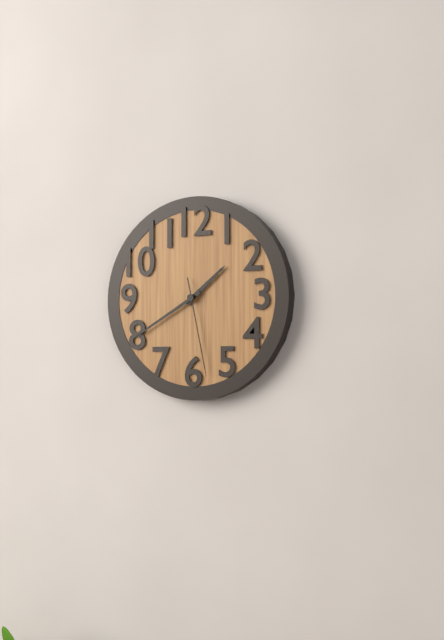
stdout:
1:40:28
